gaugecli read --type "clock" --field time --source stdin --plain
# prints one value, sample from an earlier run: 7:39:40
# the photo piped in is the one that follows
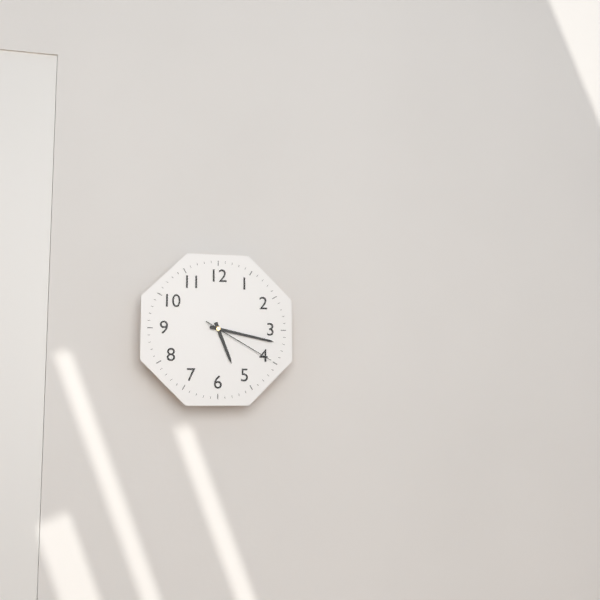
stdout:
5:17:20
